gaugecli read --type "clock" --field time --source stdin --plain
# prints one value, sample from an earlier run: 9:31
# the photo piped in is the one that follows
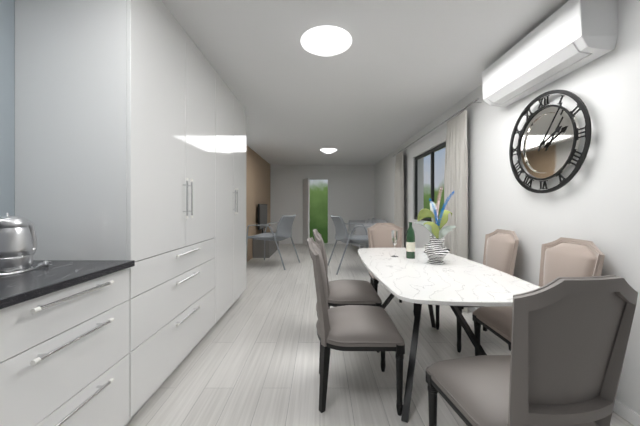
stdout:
2:06
